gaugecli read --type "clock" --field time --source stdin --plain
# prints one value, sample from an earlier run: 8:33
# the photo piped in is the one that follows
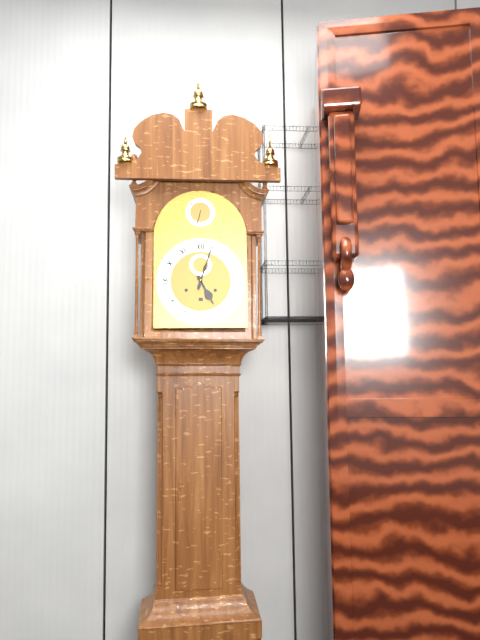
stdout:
5:03
